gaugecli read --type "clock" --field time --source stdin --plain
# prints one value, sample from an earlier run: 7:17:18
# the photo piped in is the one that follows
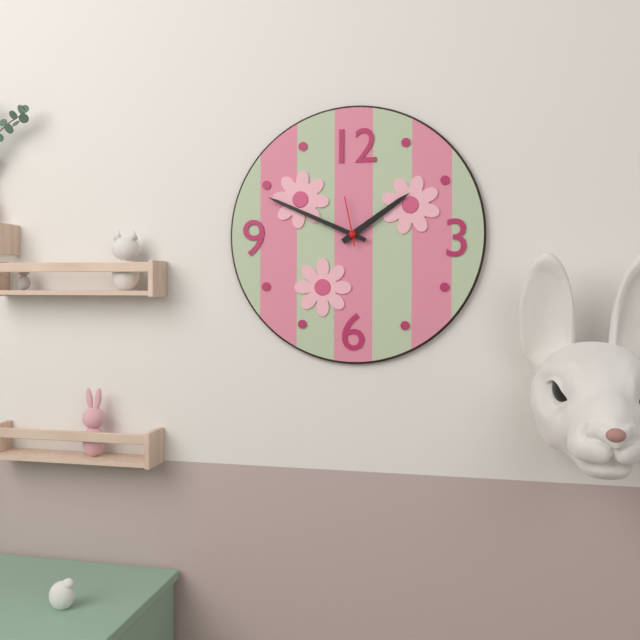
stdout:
1:49:58
